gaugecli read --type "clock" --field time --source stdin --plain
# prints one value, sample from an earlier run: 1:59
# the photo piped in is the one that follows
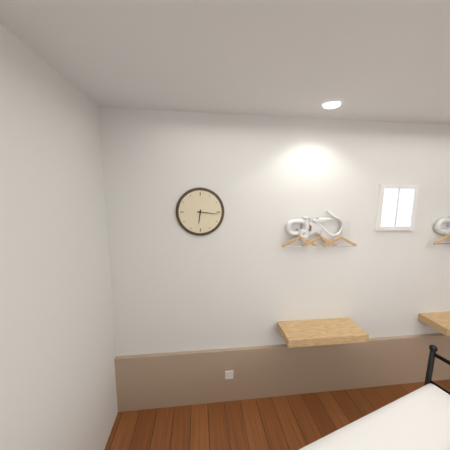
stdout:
6:16
